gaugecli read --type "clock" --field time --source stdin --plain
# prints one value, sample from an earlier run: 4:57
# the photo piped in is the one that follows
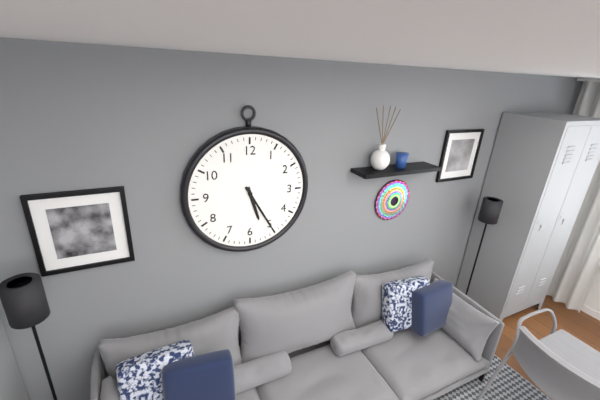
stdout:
5:25
